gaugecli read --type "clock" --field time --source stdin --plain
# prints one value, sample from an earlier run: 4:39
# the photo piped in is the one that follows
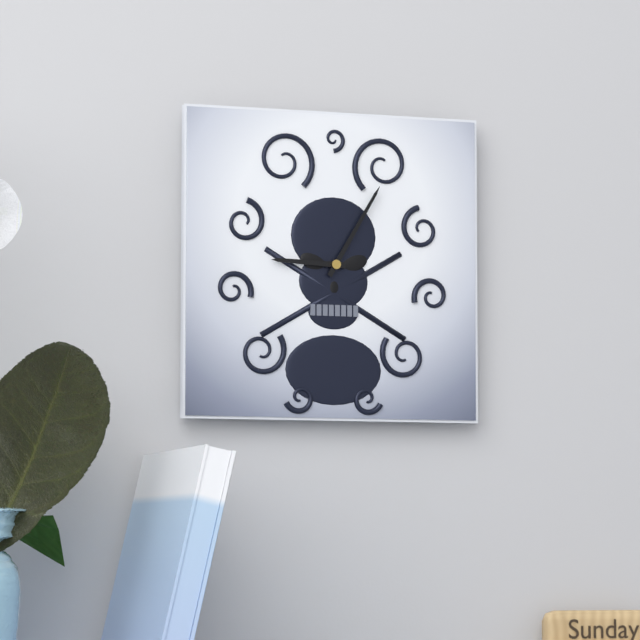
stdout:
9:05
